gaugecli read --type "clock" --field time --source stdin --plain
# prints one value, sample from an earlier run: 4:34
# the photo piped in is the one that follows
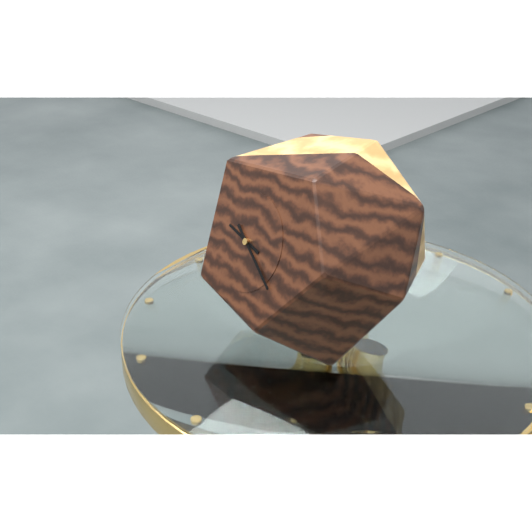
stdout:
9:20
